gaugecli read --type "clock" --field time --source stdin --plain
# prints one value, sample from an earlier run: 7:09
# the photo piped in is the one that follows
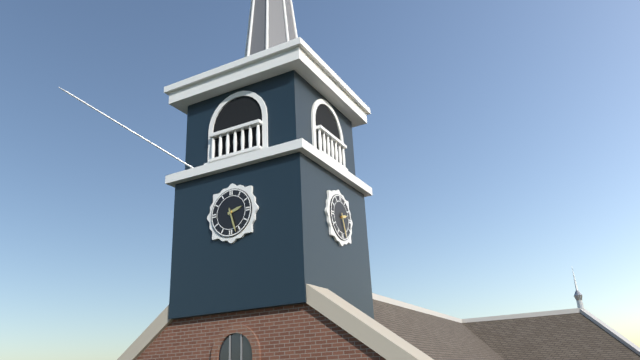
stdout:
2:27
